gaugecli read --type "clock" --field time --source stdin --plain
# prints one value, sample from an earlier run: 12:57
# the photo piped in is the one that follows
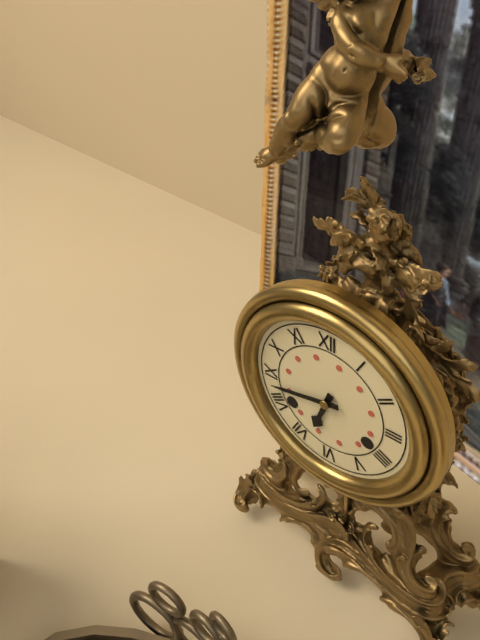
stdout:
6:43
